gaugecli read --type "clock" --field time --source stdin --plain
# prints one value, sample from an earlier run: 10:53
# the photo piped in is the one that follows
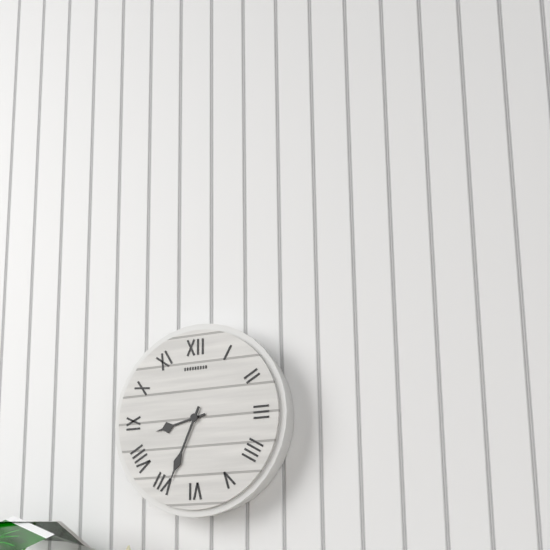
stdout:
8:34
